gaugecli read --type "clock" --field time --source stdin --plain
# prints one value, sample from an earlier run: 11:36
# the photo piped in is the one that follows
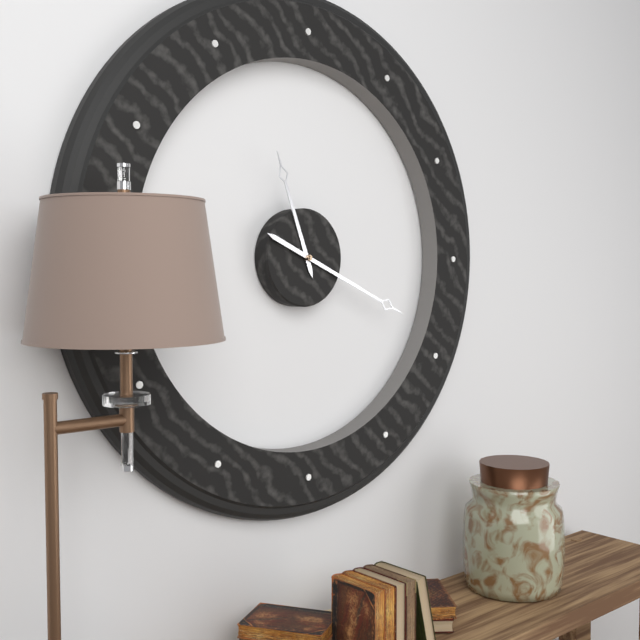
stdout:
11:19
